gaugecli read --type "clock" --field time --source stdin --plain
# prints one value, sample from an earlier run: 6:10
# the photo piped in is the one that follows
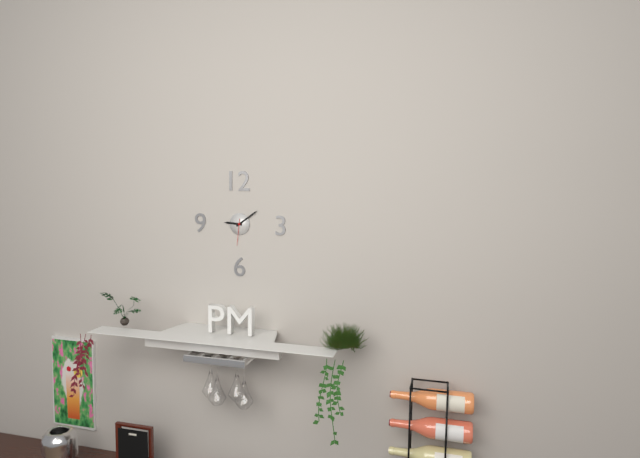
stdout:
9:09
